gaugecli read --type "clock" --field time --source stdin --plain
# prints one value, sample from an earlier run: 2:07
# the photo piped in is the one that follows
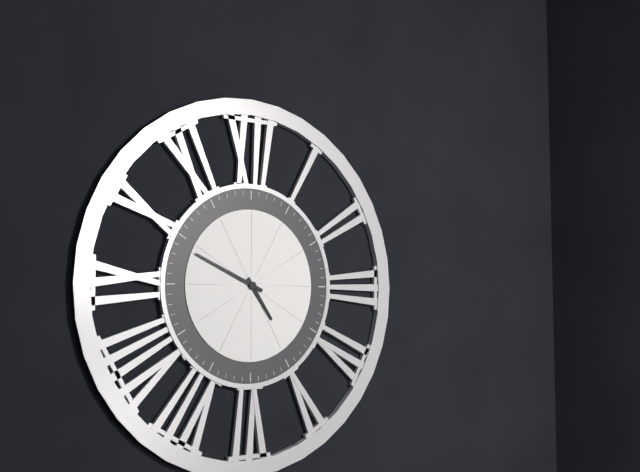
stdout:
4:49
